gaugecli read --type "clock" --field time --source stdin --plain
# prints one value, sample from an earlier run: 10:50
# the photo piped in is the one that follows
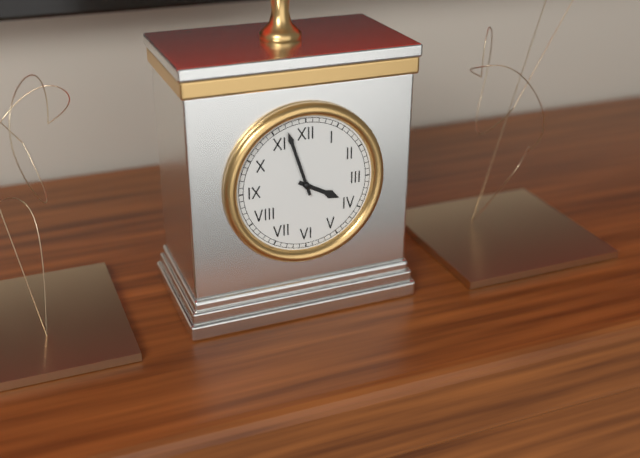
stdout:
3:57
